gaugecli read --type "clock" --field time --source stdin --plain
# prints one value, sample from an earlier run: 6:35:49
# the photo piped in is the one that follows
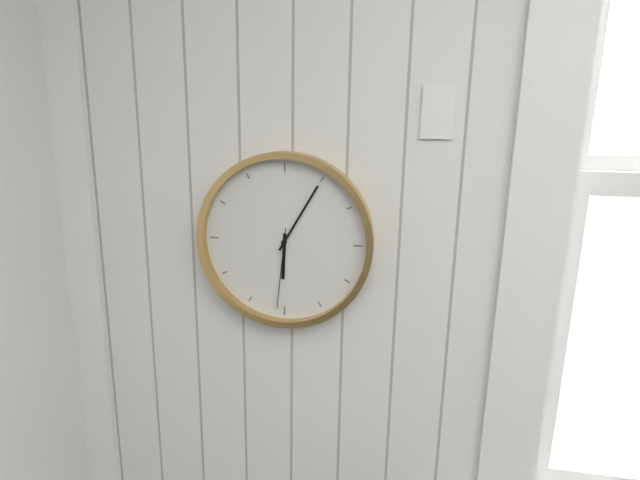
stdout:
6:05:31
